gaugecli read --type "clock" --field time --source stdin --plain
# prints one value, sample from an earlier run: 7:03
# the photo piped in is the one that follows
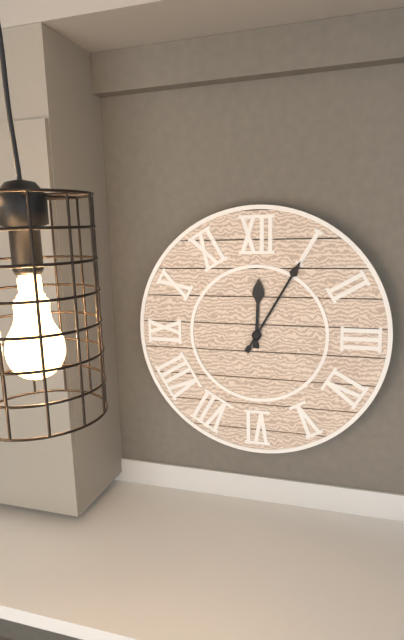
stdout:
12:05
